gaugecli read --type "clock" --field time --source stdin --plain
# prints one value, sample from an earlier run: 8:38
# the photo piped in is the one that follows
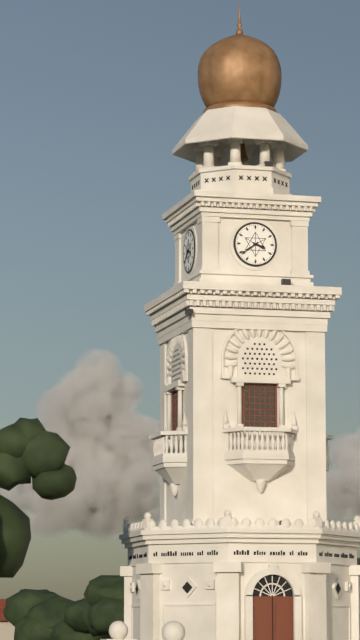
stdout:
3:39
